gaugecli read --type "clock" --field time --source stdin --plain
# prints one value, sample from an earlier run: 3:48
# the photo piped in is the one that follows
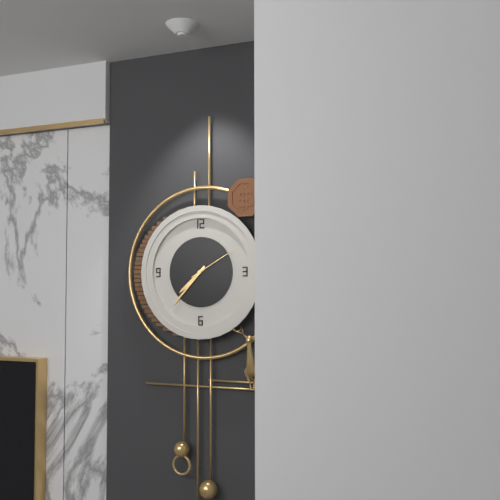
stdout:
7:37
